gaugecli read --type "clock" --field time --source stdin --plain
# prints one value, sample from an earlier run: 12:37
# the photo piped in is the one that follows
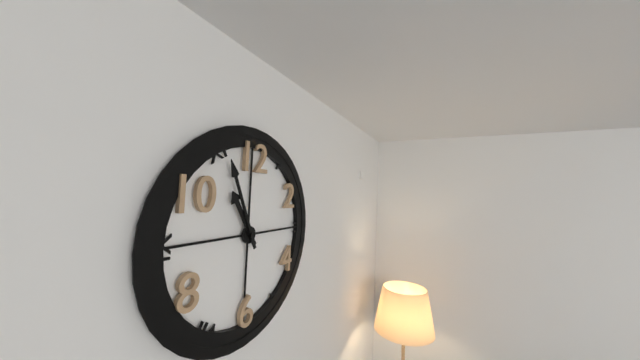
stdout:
10:56
